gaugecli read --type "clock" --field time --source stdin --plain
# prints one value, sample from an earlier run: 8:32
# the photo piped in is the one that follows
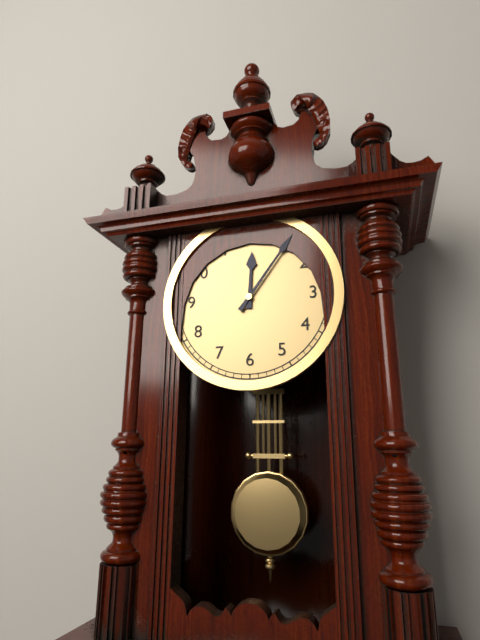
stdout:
12:06
